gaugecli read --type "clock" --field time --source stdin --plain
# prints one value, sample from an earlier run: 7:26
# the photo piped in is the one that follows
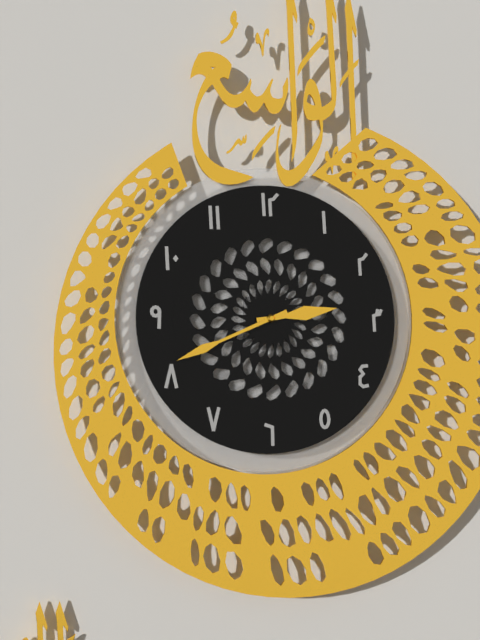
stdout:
2:41
